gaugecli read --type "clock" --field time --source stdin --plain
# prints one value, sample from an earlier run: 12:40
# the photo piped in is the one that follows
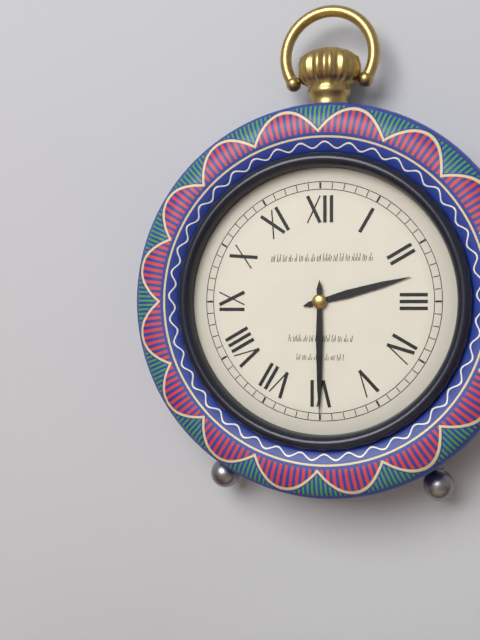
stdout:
2:30
